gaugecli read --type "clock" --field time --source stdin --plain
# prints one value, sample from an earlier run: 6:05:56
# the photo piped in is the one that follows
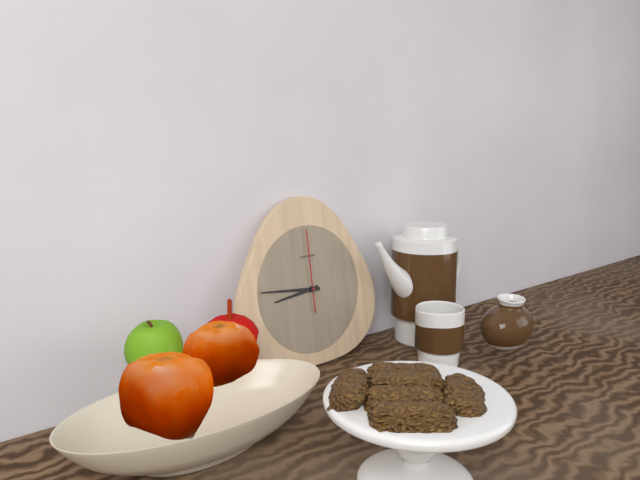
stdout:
8:46:00
